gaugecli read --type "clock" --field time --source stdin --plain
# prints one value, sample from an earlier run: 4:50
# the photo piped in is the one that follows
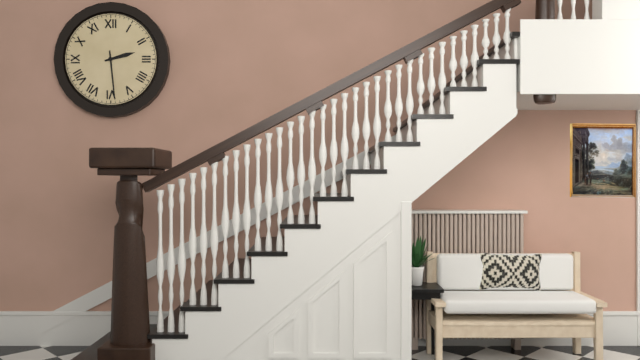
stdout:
2:29
